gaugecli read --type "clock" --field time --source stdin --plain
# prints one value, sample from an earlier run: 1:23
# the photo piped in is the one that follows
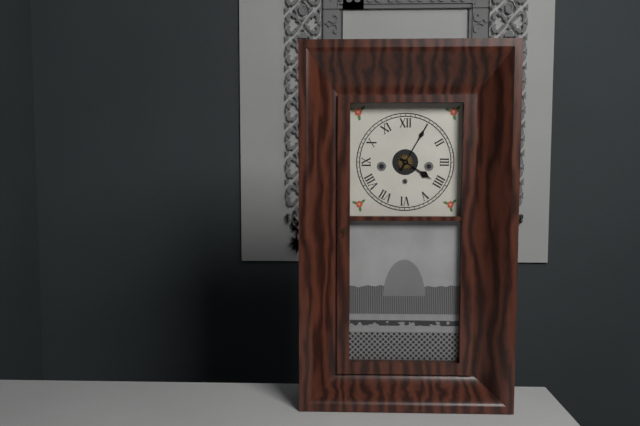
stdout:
4:05
